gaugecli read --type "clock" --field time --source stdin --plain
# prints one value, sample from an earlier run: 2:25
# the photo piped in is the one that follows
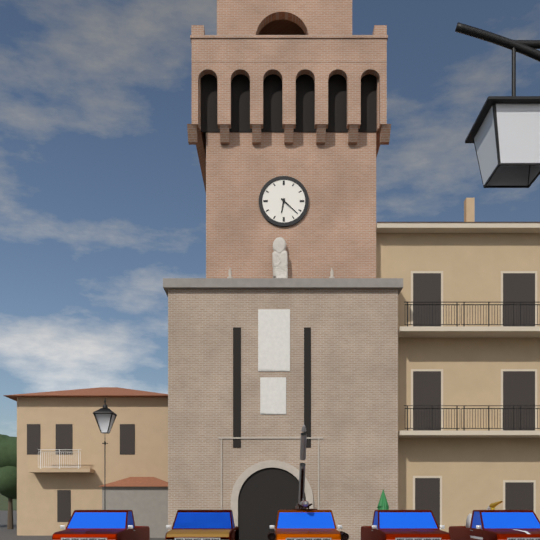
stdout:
6:22
